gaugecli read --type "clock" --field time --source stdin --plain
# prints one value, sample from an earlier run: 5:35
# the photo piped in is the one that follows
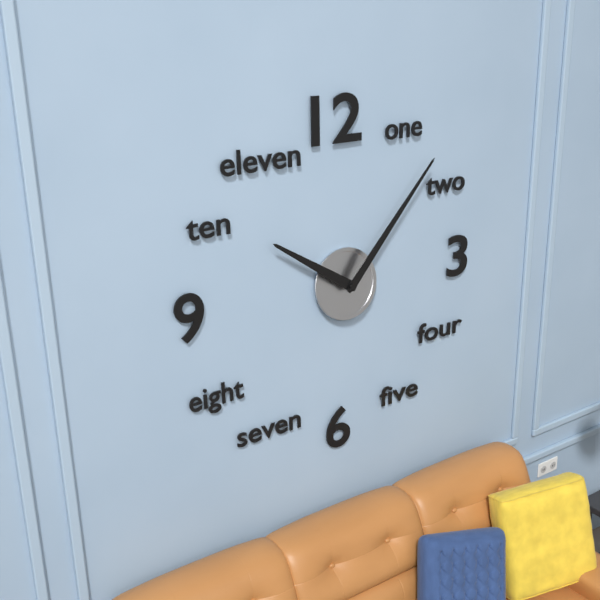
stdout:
10:07
